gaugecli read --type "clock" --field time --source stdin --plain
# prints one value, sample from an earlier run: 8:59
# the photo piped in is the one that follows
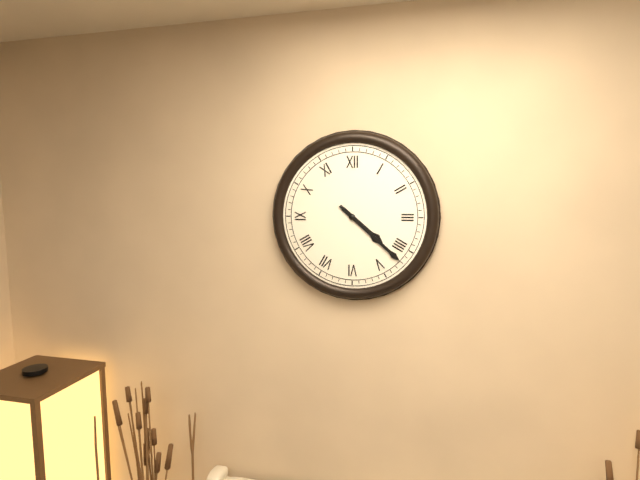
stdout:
4:22
